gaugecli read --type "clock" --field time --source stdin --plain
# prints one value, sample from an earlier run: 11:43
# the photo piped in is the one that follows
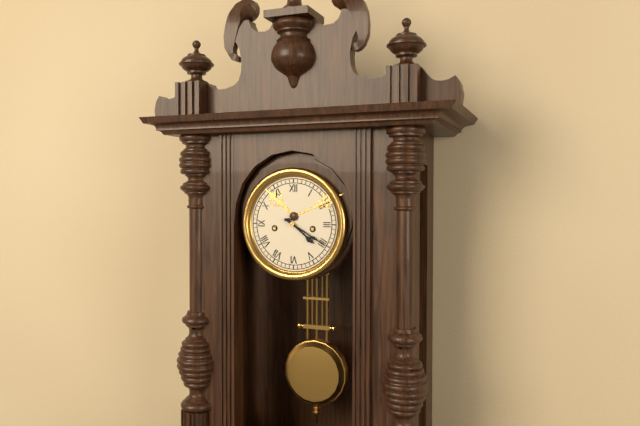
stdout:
4:20
